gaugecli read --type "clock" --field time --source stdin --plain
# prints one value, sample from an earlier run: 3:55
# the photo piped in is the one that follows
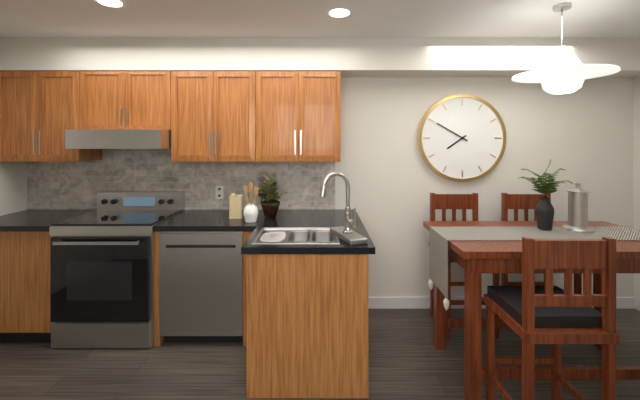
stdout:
7:50
